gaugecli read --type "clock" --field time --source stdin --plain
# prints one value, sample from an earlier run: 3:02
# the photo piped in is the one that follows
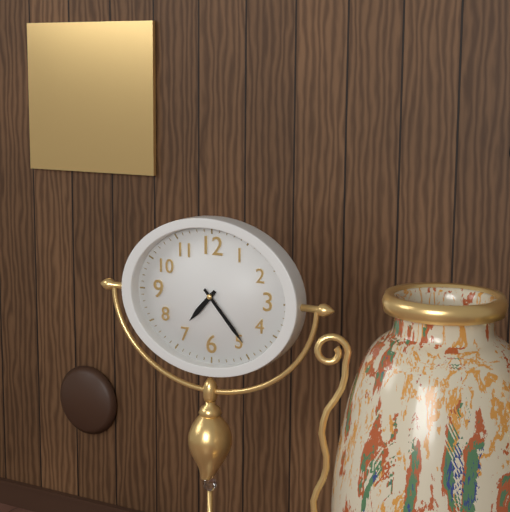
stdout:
7:23
